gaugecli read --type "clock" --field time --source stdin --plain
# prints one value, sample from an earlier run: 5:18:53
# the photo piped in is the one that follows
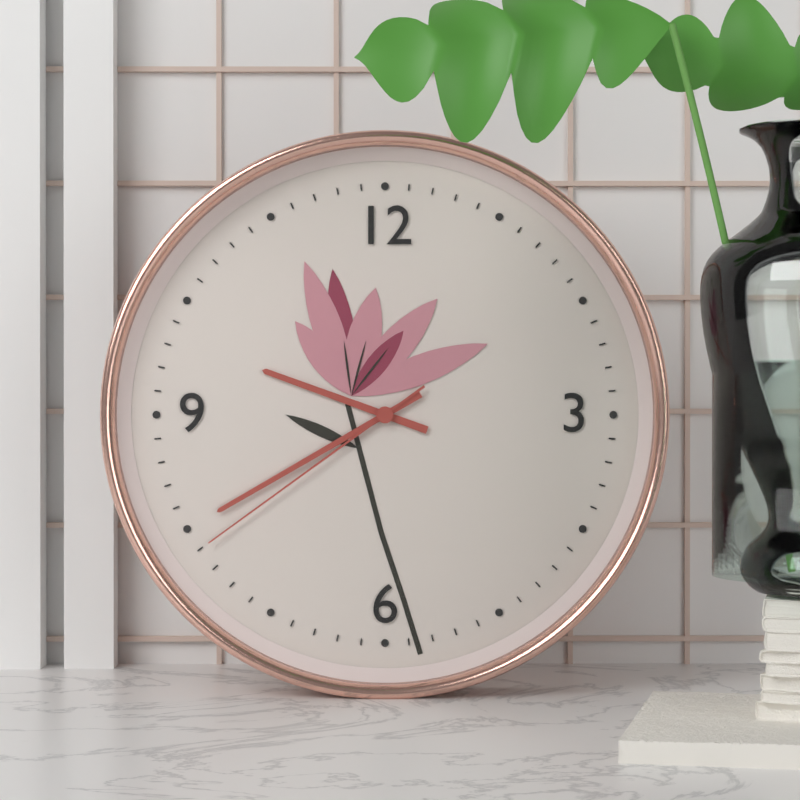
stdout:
9:40:39
